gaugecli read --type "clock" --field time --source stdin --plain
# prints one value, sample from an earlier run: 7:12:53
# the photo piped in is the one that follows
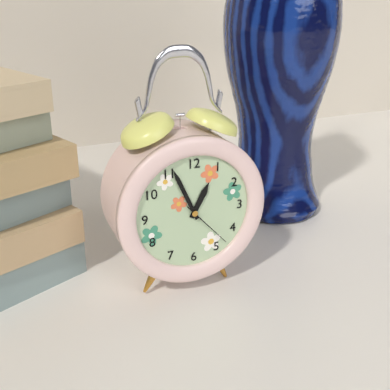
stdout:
12:56:23
